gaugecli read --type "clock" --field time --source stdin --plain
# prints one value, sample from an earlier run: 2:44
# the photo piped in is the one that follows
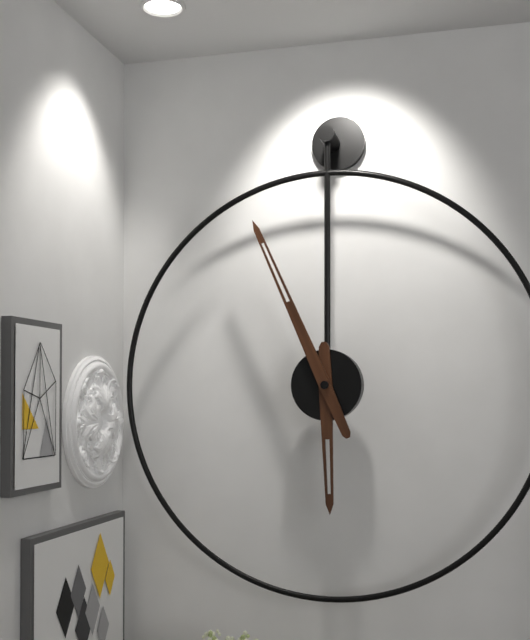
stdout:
5:56
